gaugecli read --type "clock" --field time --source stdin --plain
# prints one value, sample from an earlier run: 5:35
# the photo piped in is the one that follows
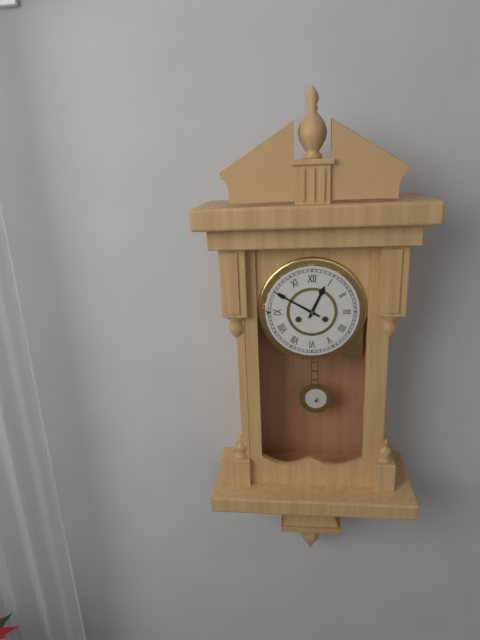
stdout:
12:50
